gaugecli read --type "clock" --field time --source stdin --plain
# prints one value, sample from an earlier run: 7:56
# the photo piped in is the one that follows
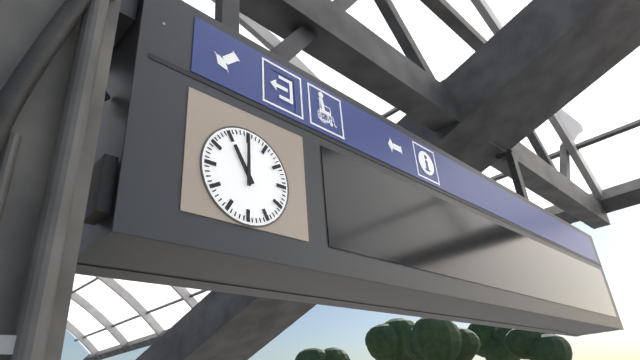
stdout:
11:00
